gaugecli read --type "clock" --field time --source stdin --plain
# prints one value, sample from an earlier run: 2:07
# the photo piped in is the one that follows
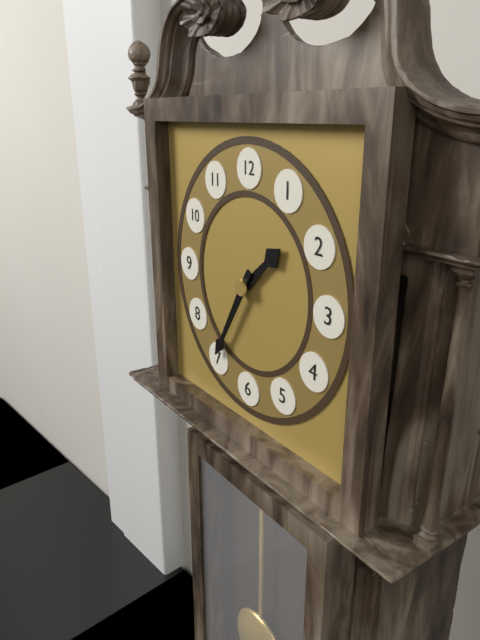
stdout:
1:35
